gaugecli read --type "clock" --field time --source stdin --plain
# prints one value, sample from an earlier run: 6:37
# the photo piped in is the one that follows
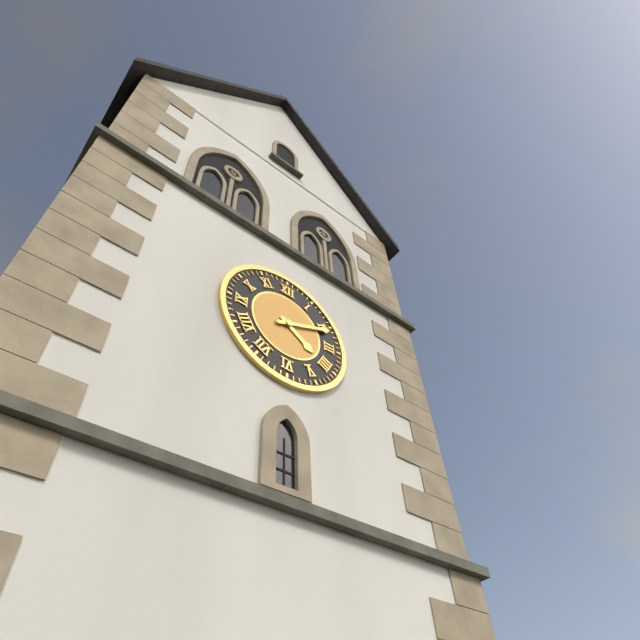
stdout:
4:11
